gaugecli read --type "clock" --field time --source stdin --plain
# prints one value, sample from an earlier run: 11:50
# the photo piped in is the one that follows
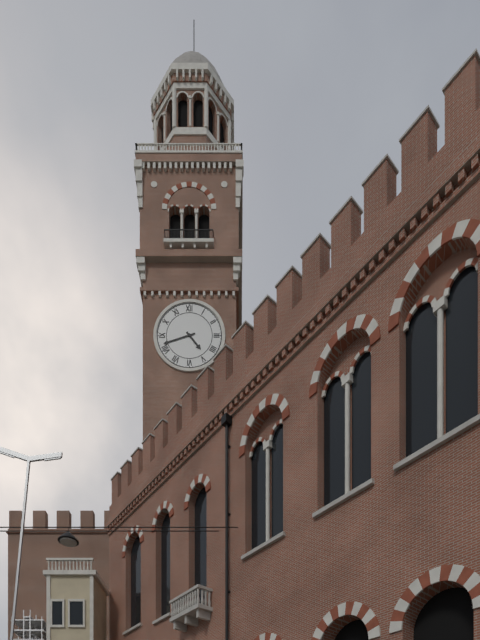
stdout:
4:42
